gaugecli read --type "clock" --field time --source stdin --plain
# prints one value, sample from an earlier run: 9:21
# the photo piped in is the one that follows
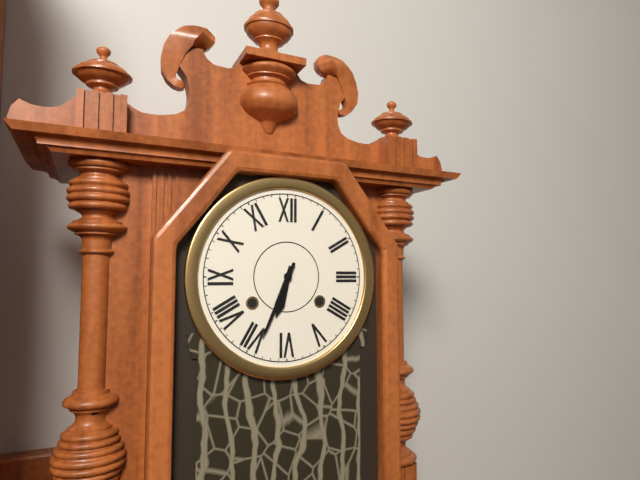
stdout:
6:34
